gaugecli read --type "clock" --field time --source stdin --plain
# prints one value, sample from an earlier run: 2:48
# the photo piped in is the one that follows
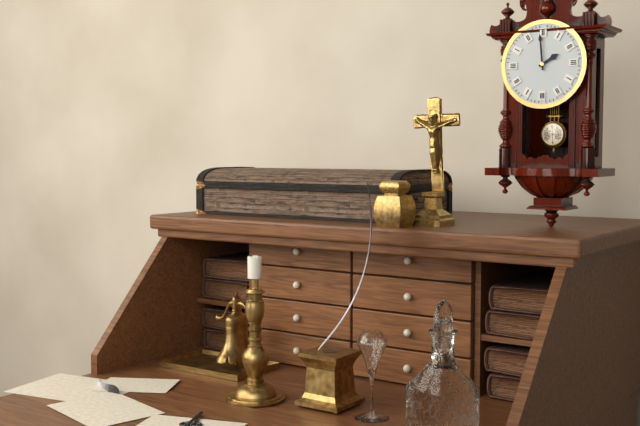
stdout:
1:59
